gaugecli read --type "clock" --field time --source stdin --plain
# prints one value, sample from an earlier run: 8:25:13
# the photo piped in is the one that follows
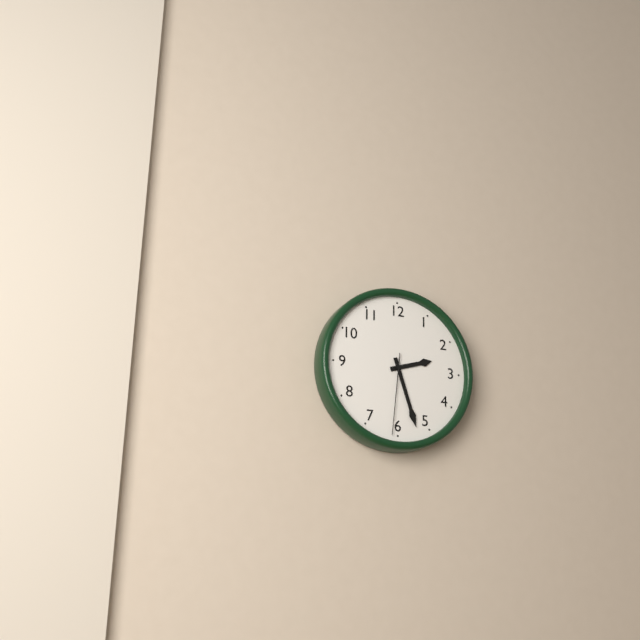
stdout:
2:27:31
